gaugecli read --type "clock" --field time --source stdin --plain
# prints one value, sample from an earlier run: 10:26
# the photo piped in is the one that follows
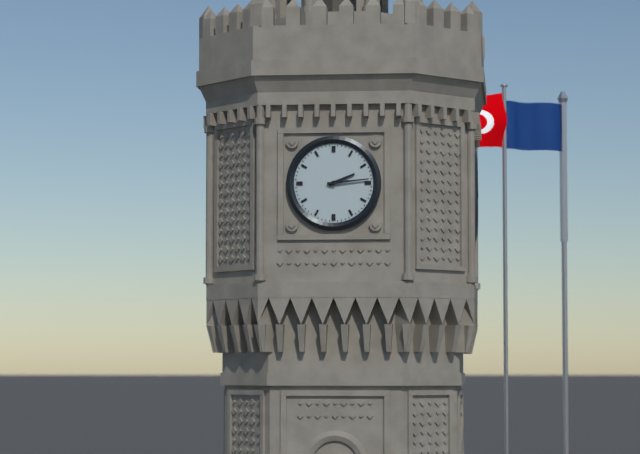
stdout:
2:14
